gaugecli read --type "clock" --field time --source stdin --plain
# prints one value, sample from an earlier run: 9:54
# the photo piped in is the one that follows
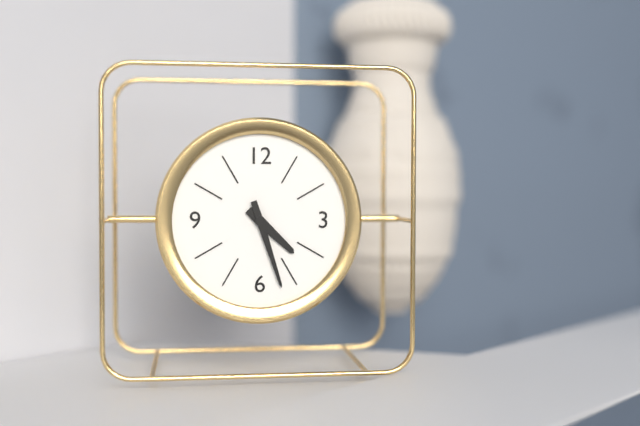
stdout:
4:27
